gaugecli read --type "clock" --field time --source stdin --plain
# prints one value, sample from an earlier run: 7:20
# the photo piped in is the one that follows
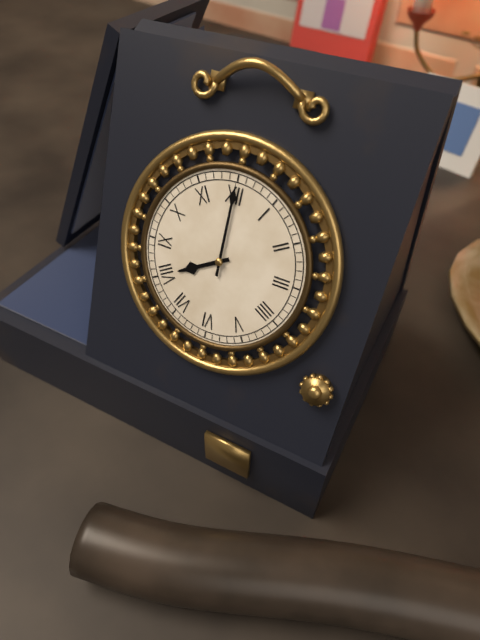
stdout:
8:00
